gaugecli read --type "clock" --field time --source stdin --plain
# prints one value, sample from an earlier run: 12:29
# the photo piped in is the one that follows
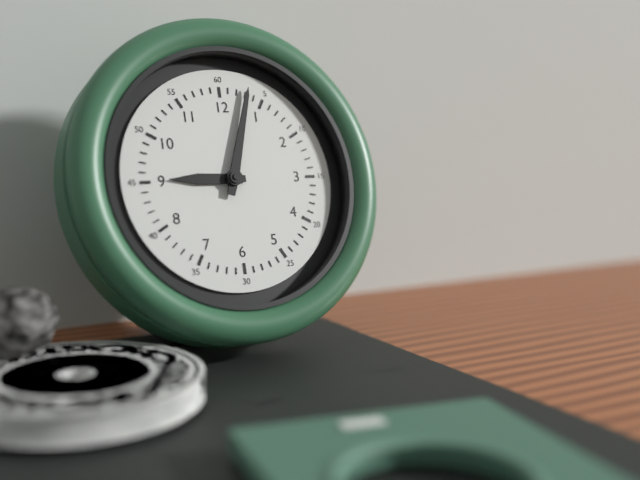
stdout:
9:03
